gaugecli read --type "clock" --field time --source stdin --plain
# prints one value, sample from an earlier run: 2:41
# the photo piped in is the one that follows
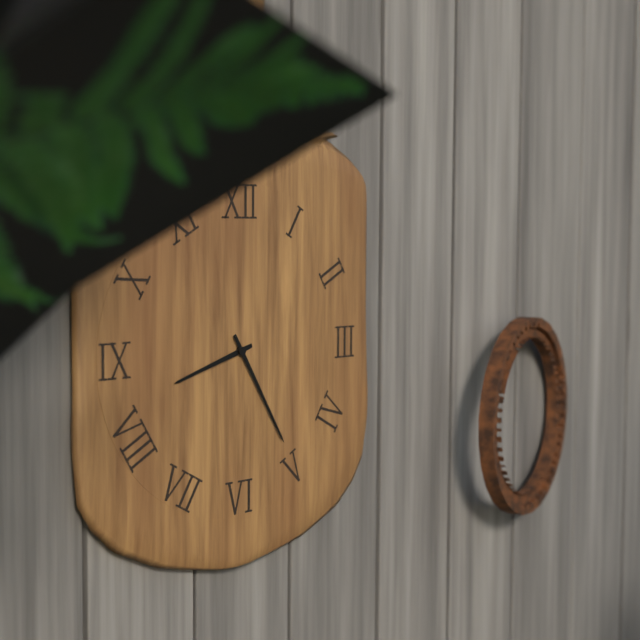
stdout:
8:25
